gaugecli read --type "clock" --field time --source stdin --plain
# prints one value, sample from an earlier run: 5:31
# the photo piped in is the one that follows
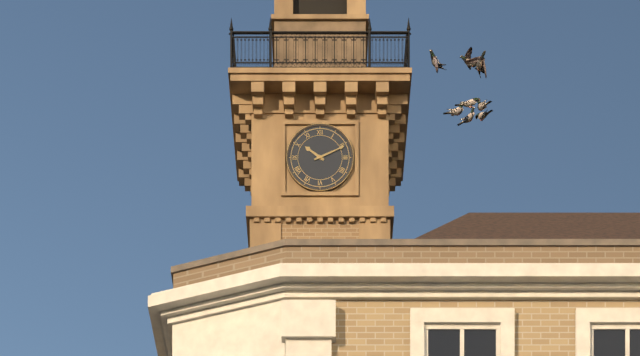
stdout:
10:11
